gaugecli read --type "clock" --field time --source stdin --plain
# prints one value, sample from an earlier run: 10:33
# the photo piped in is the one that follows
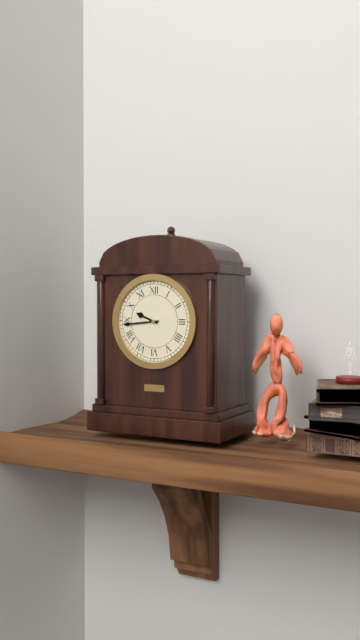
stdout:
9:44
